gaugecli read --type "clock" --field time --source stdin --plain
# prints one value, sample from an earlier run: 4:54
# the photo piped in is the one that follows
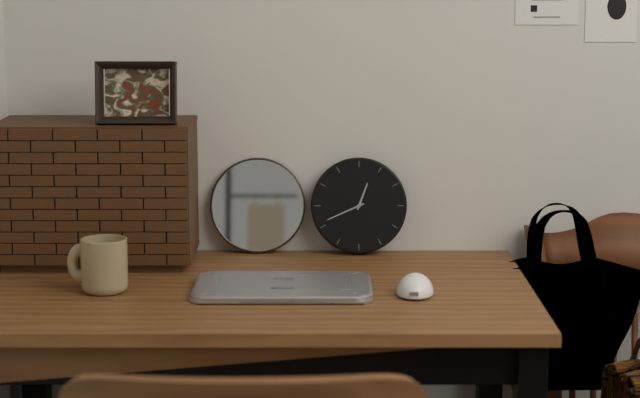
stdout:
12:41
